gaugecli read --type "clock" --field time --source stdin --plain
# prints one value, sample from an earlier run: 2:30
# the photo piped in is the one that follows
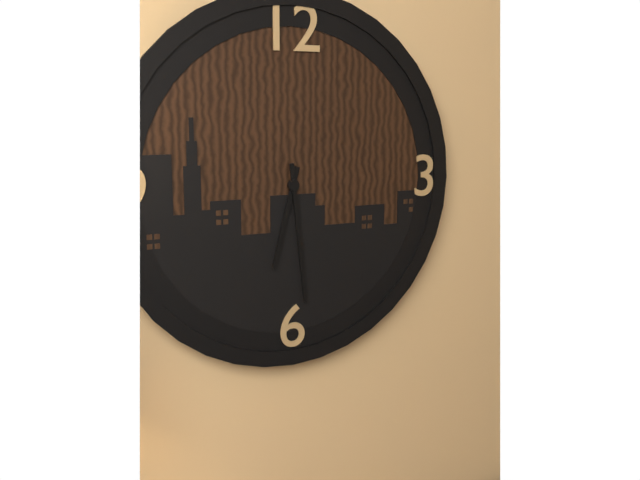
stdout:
6:29
